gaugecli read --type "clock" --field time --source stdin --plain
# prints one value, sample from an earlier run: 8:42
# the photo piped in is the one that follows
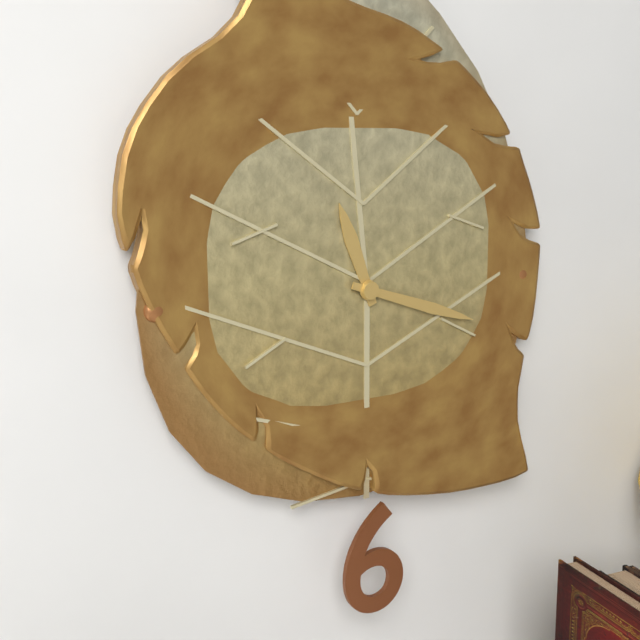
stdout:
11:18
